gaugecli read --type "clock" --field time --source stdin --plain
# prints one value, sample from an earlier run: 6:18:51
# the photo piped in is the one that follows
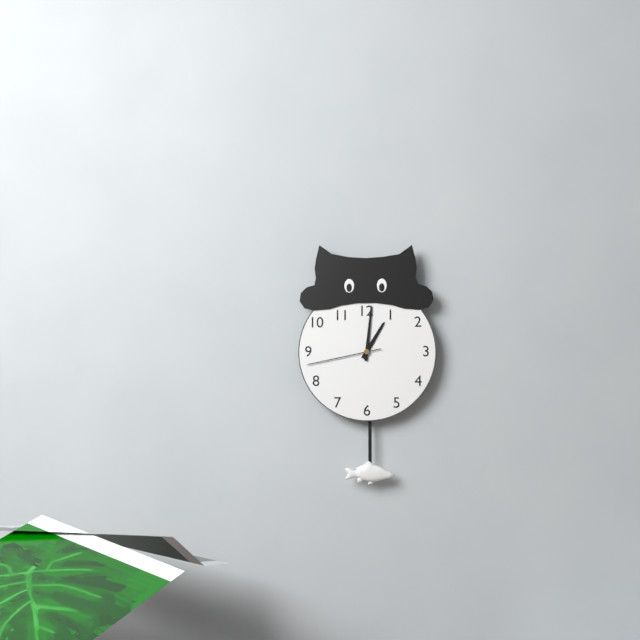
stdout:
1:01:43
